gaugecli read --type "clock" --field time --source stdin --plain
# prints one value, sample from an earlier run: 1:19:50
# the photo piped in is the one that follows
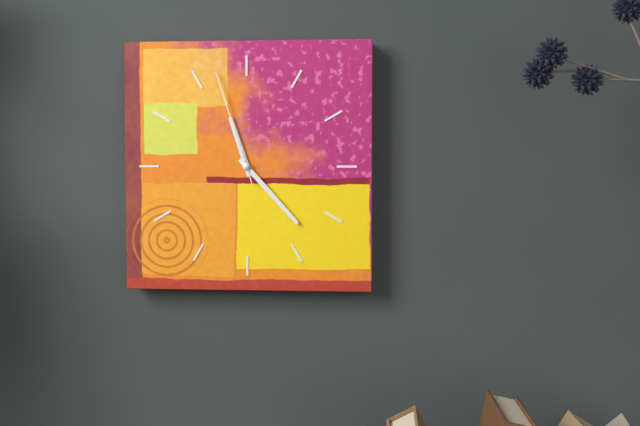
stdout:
11:23:57
